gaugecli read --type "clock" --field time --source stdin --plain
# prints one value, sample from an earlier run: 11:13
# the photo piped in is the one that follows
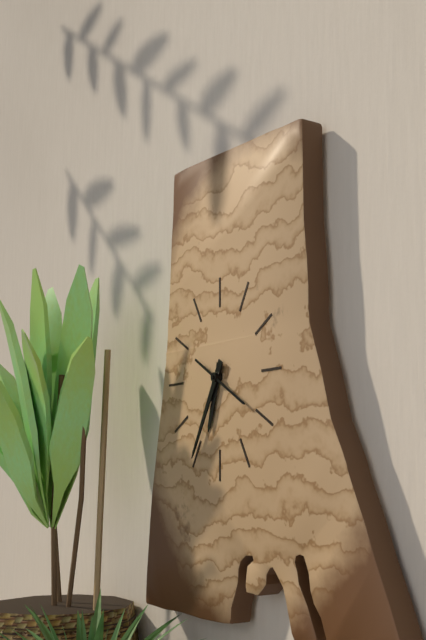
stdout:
6:35
